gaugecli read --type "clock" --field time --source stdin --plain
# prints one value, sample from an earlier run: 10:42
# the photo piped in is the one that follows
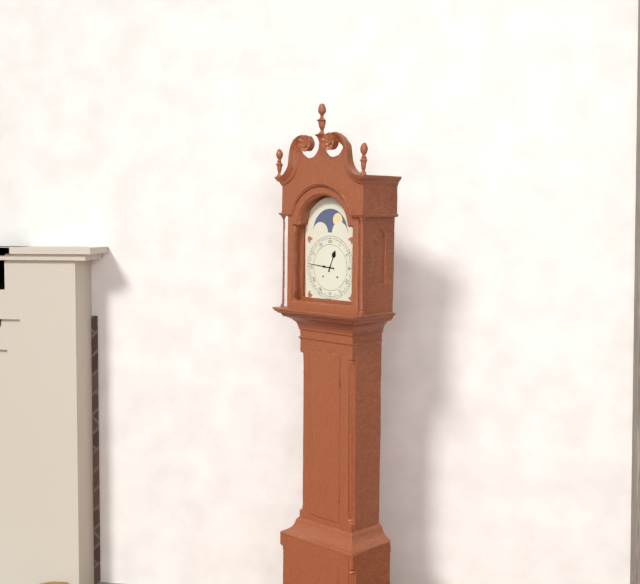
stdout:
12:46
